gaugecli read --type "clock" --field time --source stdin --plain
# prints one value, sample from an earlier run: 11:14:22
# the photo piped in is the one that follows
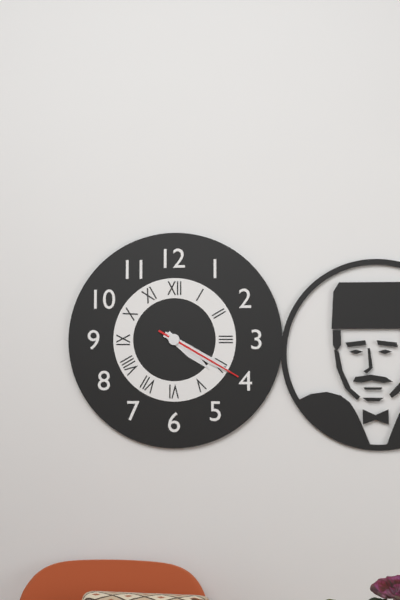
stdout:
4:20:20
